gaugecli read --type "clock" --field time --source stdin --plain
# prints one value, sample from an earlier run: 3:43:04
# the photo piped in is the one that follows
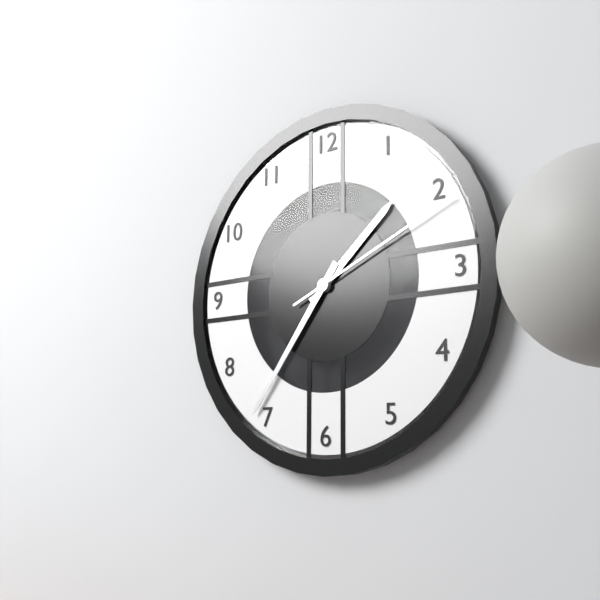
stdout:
1:36:11
